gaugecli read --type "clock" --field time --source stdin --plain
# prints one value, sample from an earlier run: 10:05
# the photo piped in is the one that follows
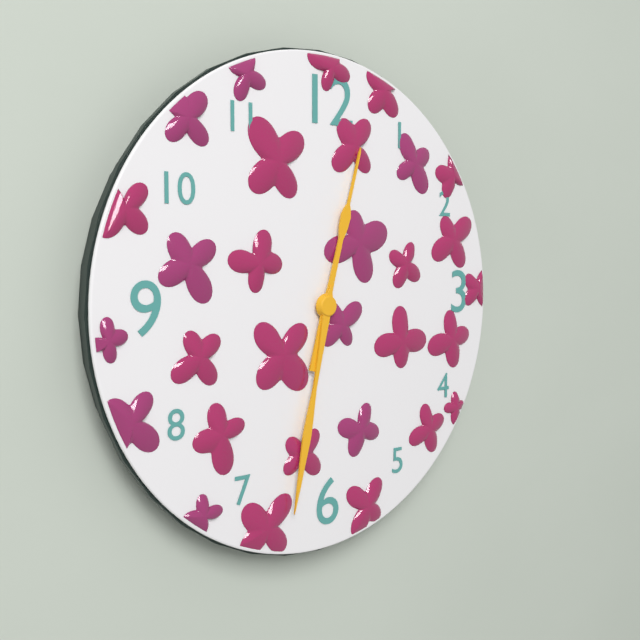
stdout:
12:32
